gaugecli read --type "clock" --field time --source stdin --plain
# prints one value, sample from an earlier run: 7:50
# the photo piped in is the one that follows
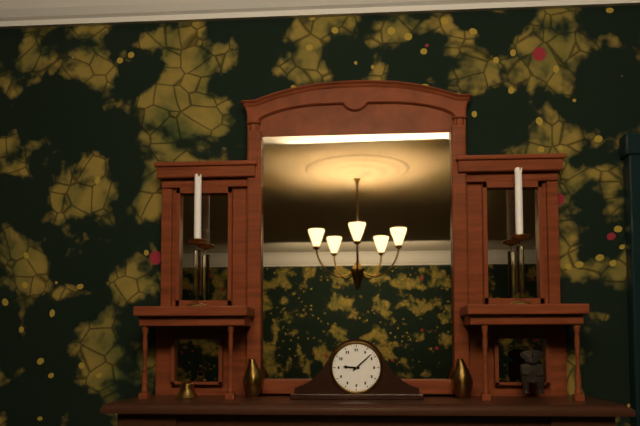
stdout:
9:08
